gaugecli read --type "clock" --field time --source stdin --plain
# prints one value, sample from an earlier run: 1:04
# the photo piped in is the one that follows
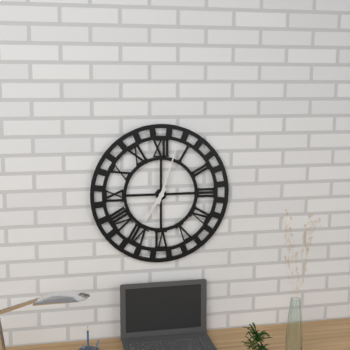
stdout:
7:03
